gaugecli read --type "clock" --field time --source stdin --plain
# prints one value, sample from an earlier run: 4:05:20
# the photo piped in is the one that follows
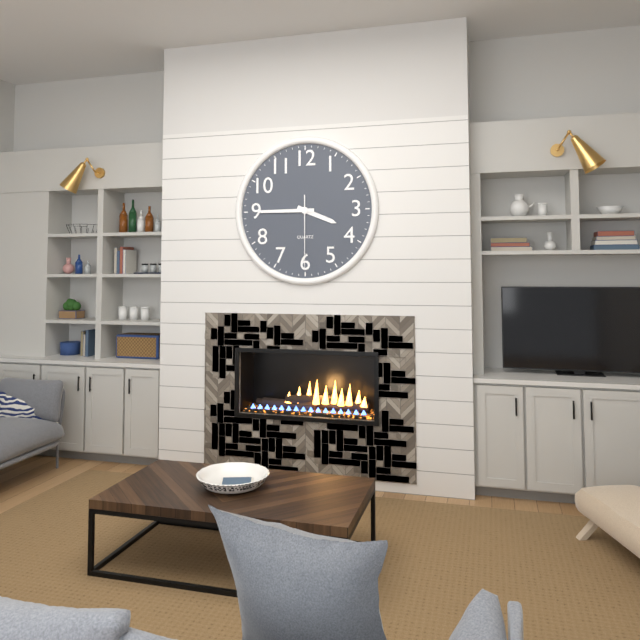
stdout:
3:45:30
